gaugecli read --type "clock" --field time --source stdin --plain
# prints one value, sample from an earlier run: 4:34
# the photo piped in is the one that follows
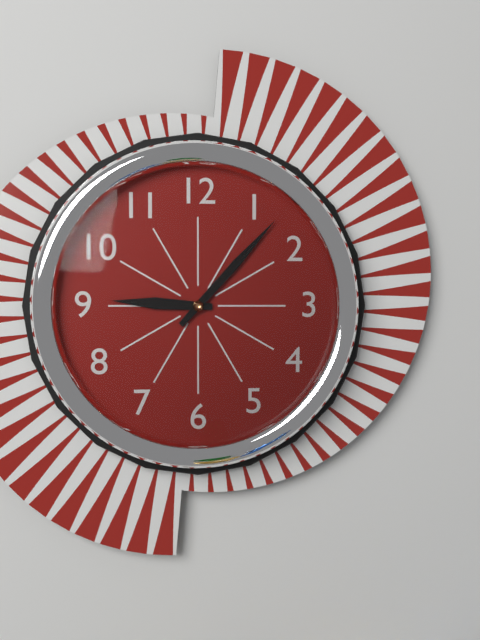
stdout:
9:07
